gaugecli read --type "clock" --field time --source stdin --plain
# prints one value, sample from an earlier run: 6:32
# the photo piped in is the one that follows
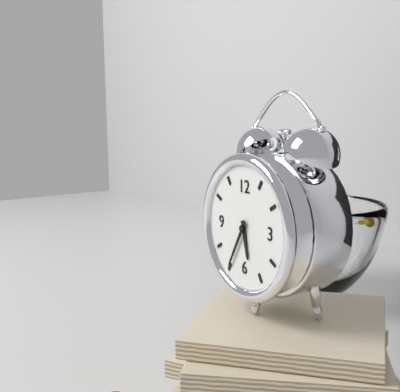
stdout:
5:35
